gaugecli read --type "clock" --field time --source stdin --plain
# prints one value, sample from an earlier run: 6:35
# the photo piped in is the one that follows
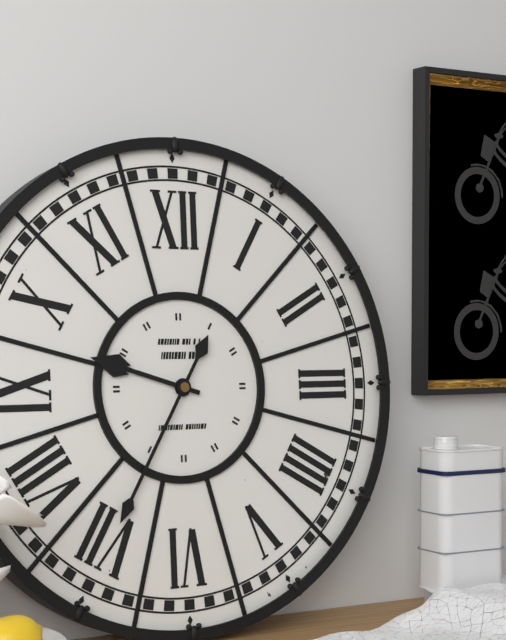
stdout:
9:35
